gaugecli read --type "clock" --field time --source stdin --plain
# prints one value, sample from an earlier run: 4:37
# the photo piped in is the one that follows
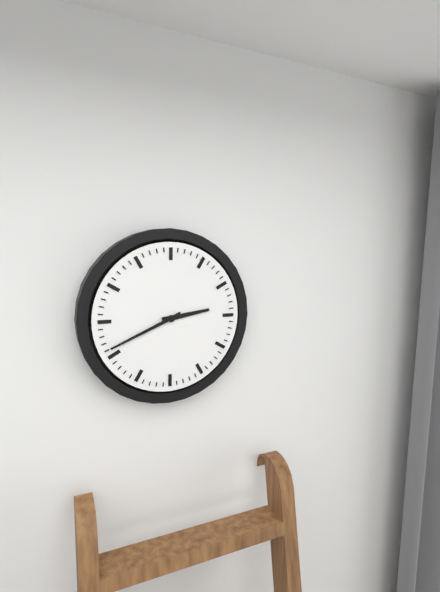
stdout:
2:41
